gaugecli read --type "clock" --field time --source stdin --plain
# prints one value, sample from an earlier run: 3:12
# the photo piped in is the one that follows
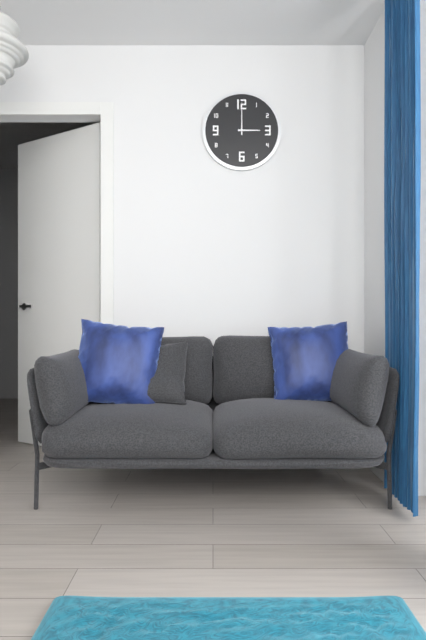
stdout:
3:00
